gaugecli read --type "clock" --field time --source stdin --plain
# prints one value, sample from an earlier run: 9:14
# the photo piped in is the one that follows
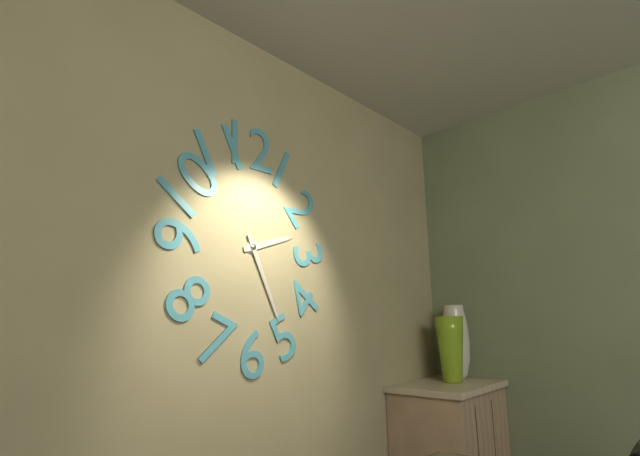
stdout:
2:26
